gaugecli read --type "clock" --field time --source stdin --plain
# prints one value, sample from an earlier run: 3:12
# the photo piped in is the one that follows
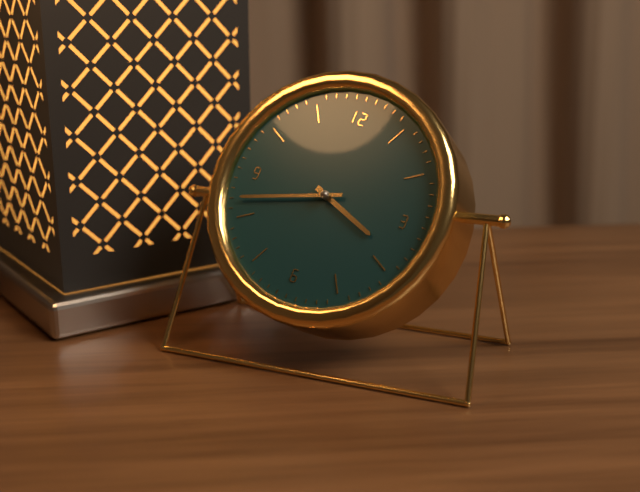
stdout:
3:42
